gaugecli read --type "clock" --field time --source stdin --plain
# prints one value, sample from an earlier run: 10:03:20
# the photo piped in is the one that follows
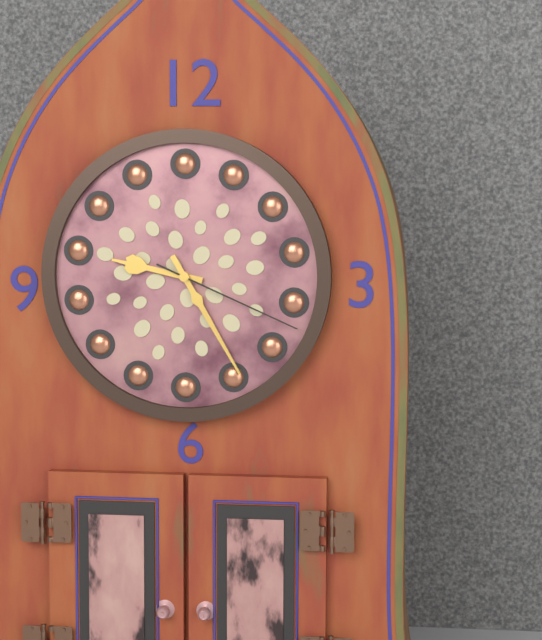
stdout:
9:25:19
